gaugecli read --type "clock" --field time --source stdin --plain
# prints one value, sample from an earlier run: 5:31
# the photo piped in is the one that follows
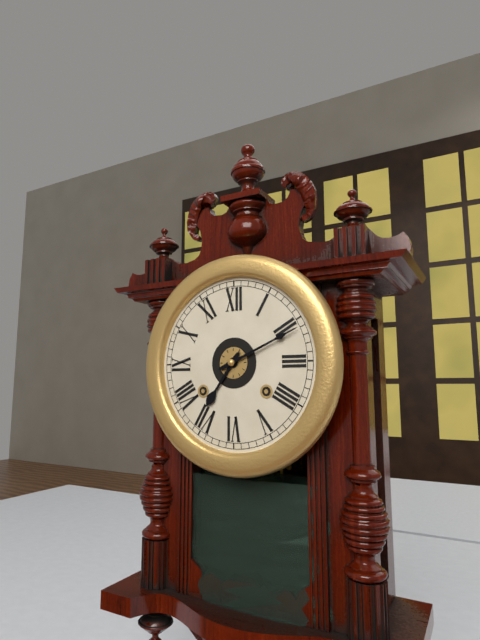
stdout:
7:11
